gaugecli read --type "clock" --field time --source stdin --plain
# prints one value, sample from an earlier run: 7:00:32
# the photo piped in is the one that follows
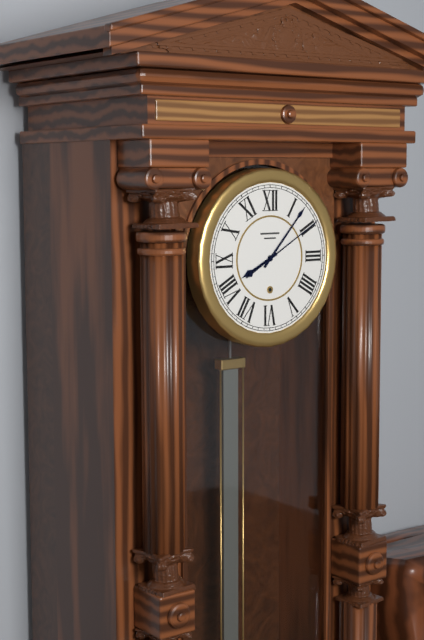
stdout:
8:07:10
